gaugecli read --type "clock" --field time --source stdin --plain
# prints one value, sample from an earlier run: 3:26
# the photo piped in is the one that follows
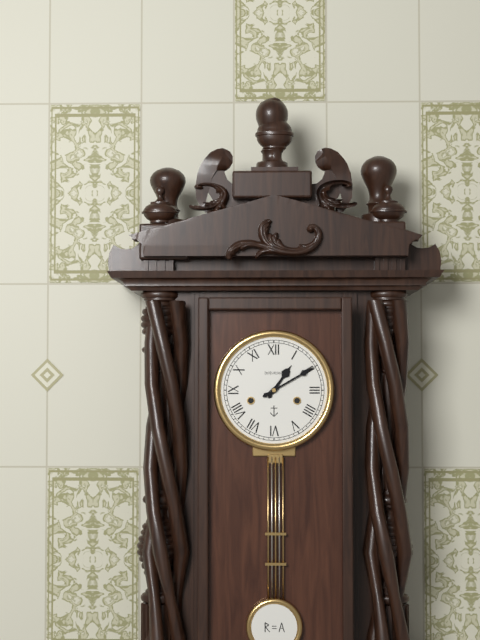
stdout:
1:10
